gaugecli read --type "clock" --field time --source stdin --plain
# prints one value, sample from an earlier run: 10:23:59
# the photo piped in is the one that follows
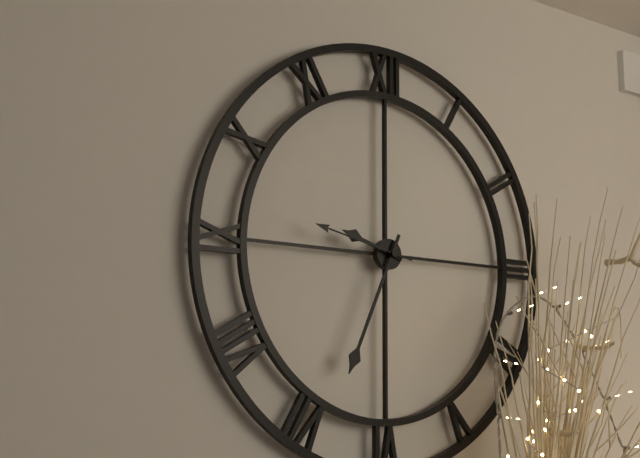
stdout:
9:34:47
